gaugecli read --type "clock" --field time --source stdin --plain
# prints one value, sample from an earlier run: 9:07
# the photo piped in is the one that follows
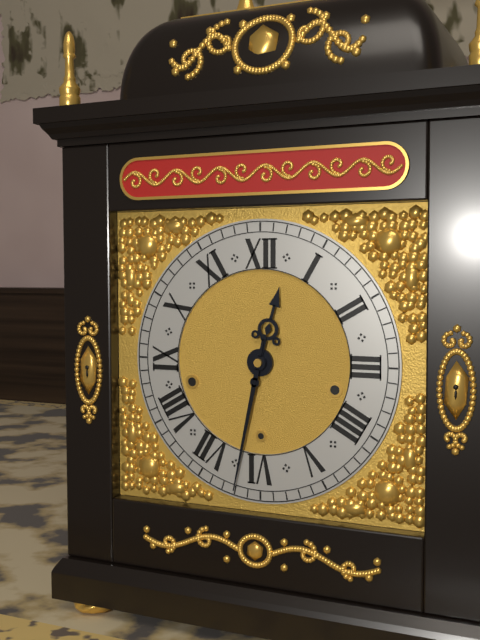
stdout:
12:32
